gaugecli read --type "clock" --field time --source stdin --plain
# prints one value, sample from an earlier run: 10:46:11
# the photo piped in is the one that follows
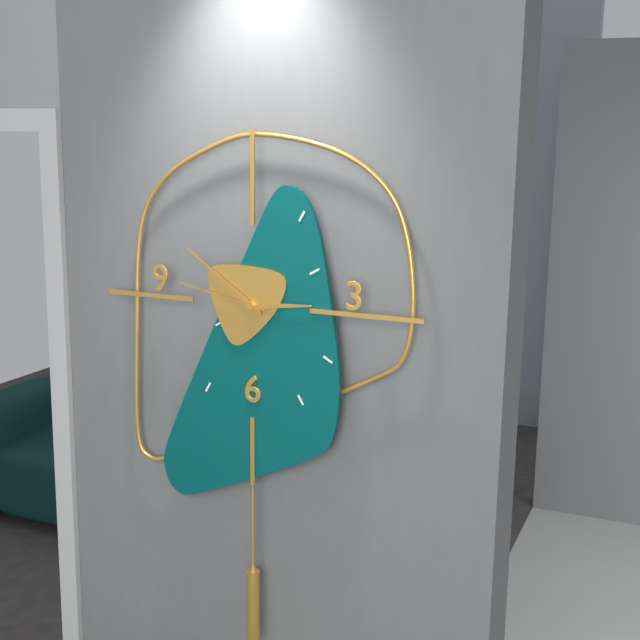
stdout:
2:51:47
